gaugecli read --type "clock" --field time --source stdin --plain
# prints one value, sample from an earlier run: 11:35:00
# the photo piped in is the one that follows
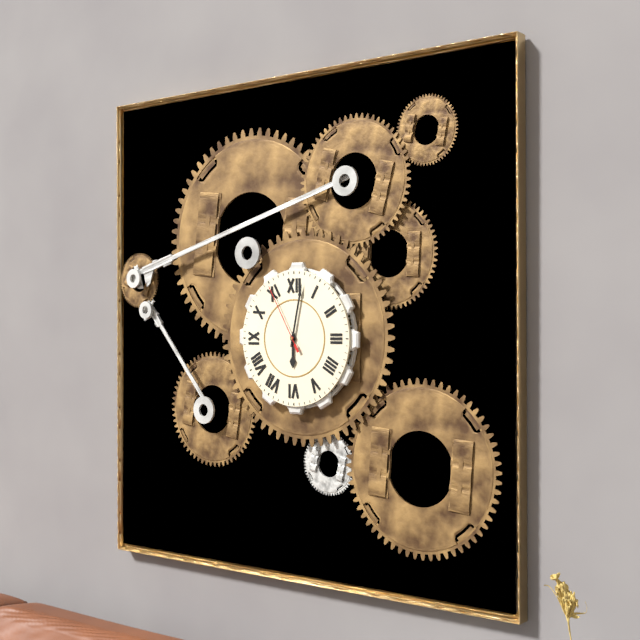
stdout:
6:02:55
